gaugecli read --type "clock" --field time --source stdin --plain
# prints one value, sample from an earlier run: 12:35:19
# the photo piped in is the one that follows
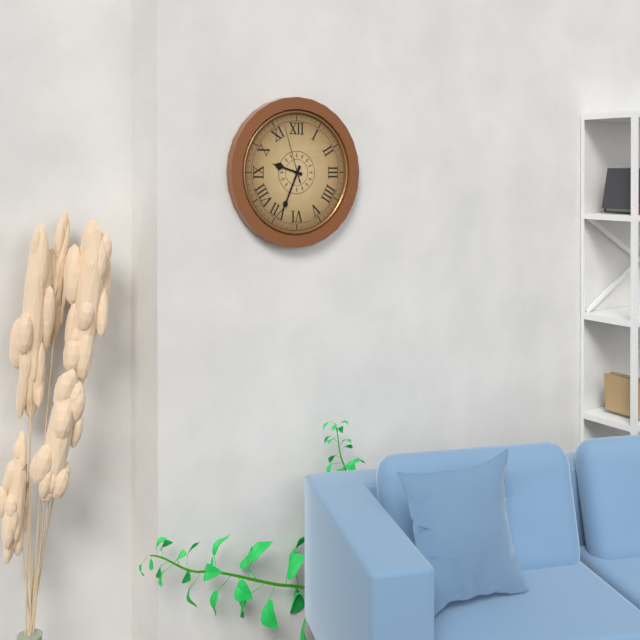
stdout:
9:34:57
